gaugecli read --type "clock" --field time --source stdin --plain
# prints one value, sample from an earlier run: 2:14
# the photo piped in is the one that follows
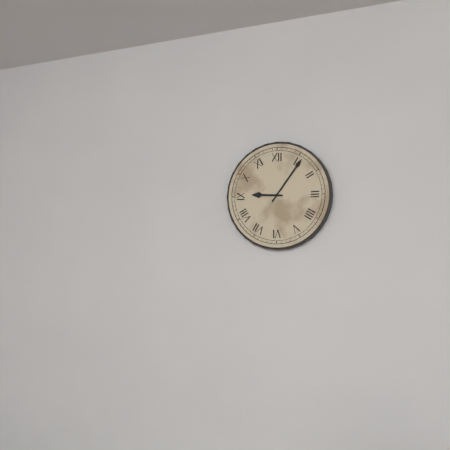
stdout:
9:06
